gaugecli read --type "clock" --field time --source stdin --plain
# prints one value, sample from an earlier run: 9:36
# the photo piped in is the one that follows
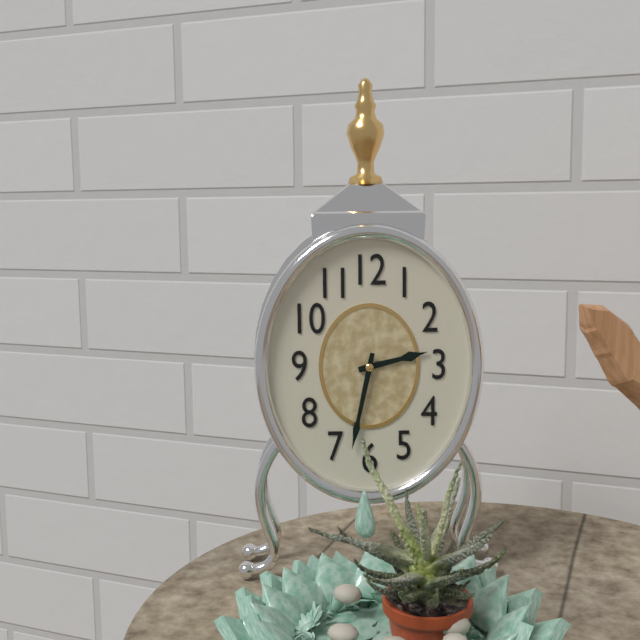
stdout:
2:32
